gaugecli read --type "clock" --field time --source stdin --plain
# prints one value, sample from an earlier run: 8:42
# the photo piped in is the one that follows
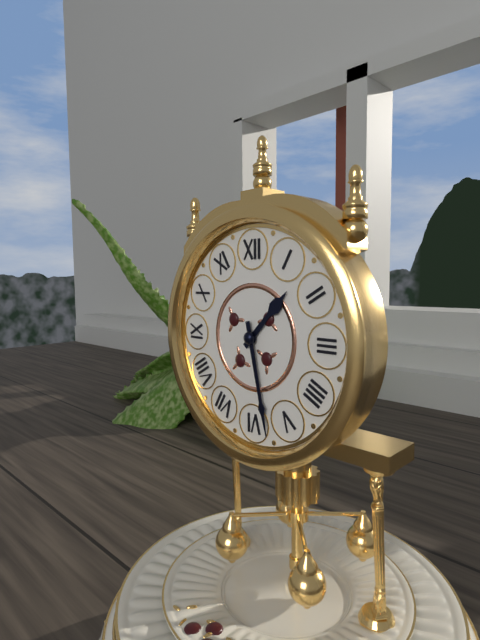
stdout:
1:28
